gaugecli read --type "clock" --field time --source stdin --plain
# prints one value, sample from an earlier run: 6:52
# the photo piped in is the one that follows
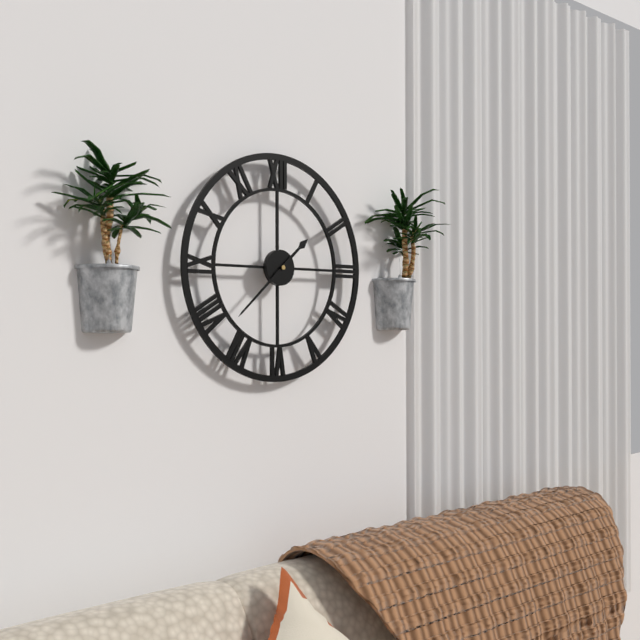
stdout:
1:38
